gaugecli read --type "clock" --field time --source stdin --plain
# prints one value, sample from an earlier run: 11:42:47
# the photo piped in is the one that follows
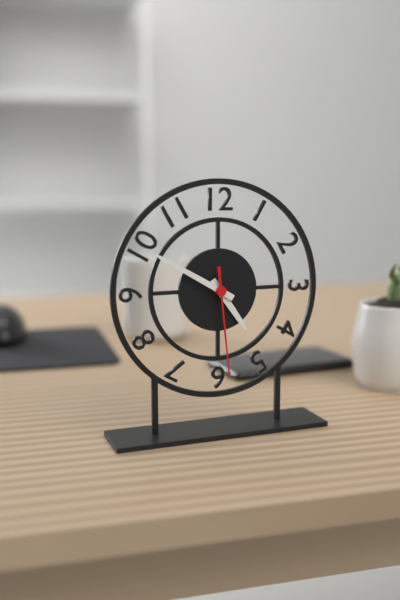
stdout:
4:50:29
